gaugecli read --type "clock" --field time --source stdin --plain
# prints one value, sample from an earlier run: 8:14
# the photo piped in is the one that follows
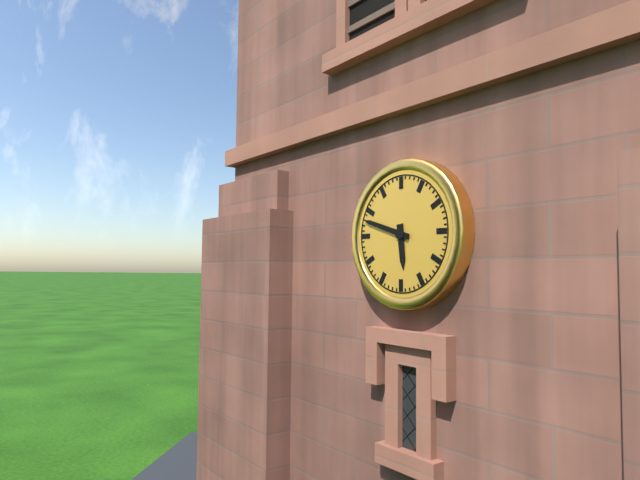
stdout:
5:48
